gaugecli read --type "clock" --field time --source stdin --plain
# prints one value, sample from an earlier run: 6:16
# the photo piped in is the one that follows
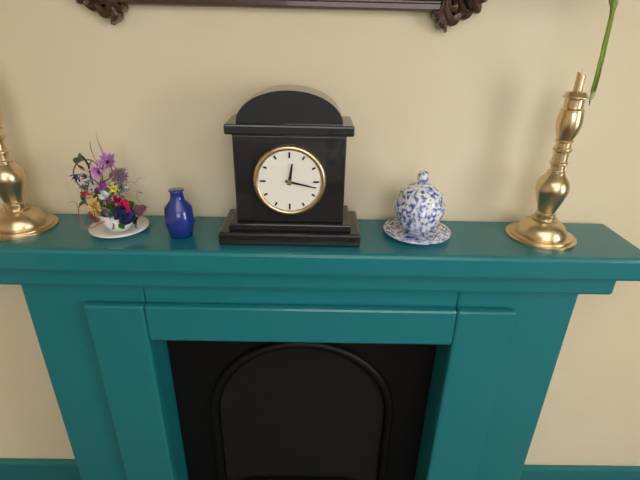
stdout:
12:17
